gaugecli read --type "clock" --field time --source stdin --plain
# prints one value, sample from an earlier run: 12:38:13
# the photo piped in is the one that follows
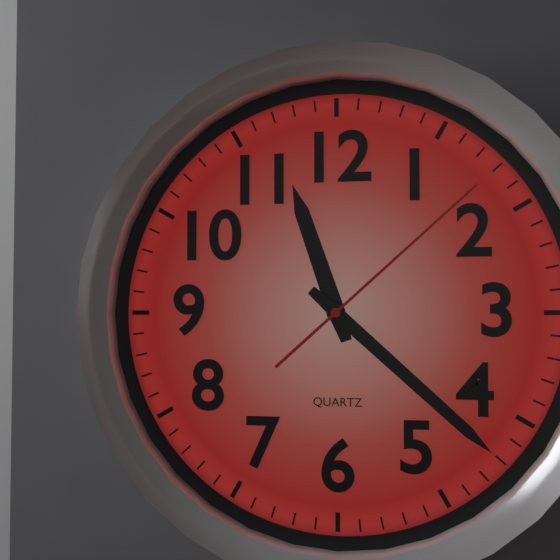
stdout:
11:22:08
